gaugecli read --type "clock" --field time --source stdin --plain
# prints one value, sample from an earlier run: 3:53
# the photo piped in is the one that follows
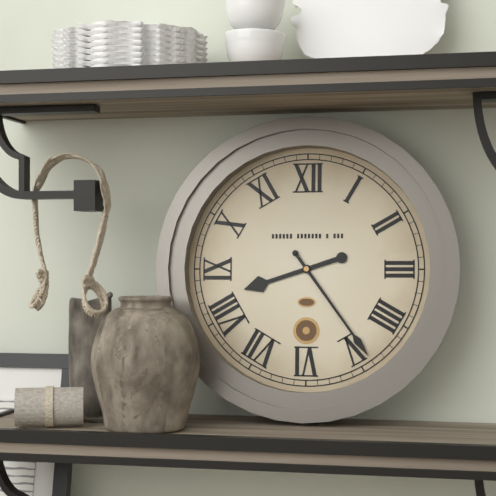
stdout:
8:24
